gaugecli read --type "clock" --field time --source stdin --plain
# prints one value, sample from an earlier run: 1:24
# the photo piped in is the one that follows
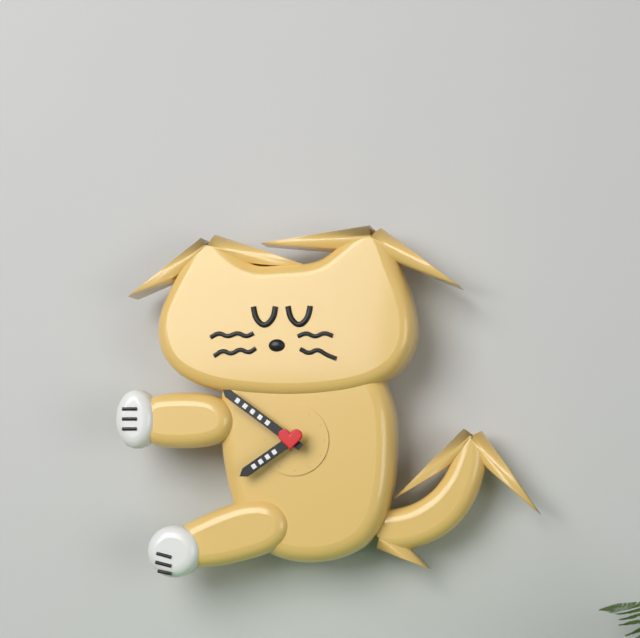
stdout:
7:51
